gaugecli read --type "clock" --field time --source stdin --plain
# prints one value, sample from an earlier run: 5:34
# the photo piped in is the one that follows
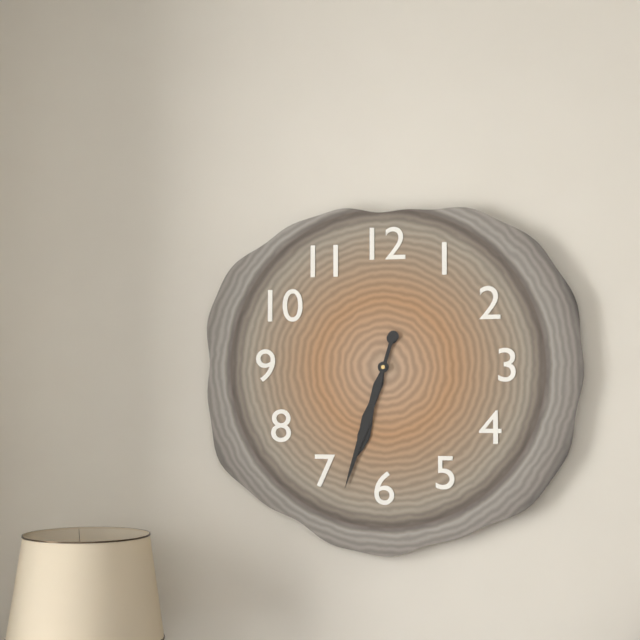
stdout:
6:33
